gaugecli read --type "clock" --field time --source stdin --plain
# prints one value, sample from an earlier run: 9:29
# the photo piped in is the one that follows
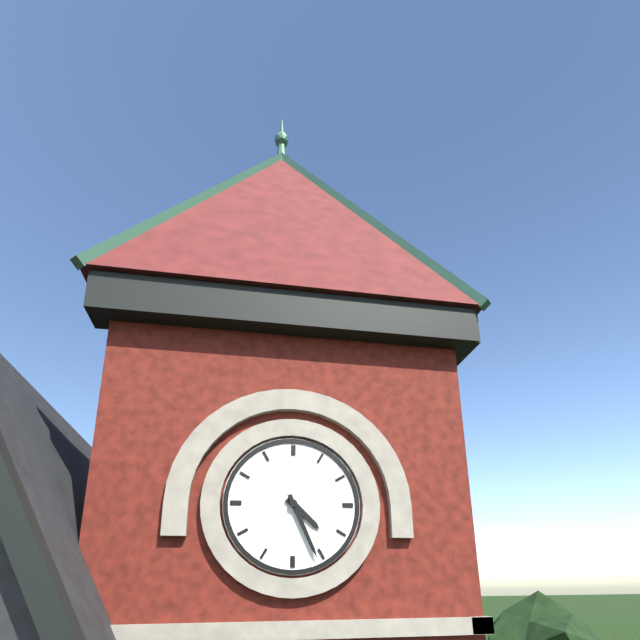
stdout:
4:26
